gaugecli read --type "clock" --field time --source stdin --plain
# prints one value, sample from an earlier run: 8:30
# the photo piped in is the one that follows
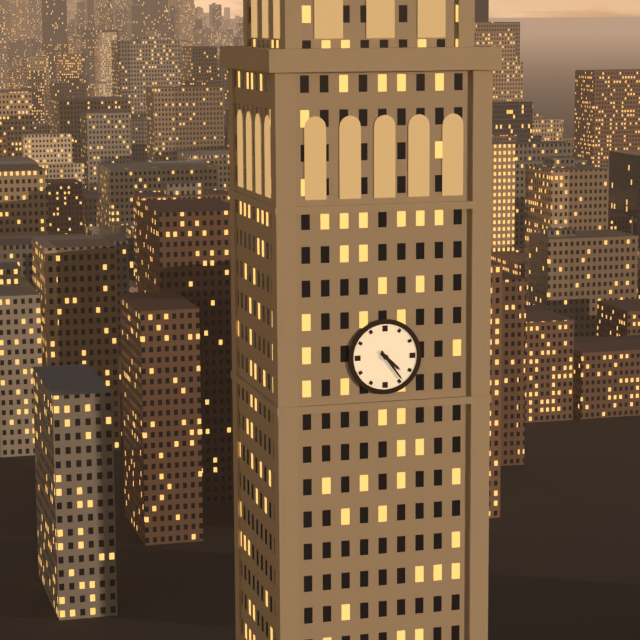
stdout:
4:24
